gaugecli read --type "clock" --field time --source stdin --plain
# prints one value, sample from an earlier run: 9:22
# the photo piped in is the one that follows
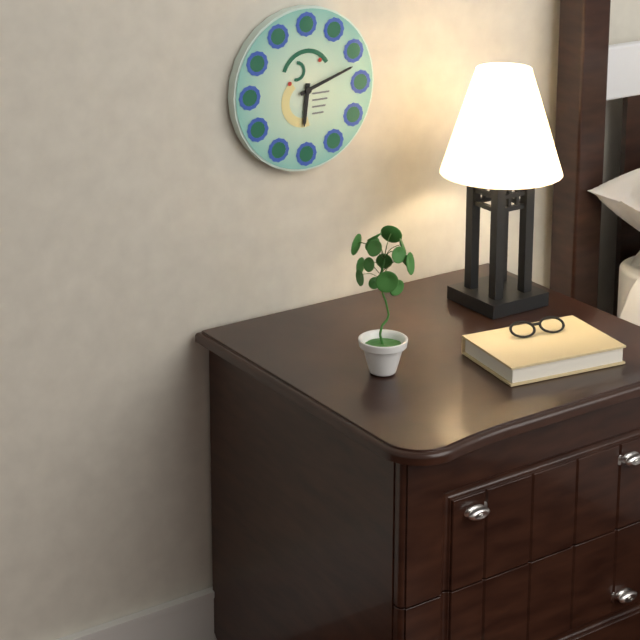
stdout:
6:12
